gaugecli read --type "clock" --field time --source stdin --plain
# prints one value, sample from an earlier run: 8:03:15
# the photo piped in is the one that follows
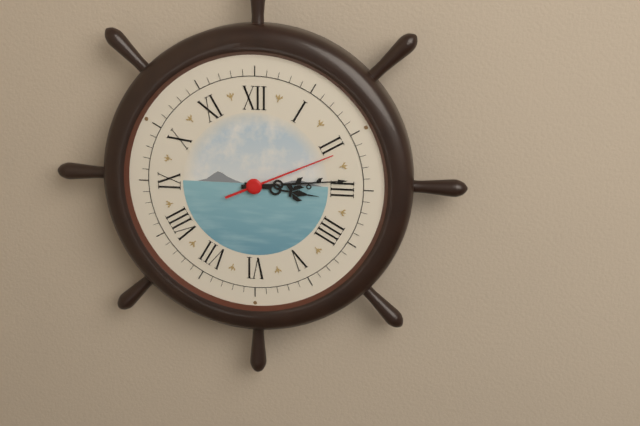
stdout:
3:14:11
